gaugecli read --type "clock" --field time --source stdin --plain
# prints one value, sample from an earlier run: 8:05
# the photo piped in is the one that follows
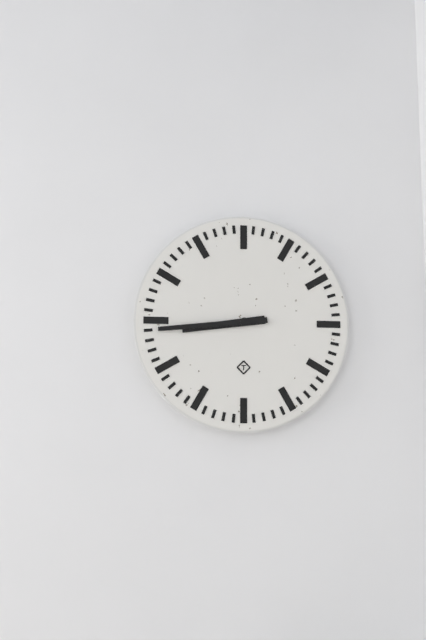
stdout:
8:44
